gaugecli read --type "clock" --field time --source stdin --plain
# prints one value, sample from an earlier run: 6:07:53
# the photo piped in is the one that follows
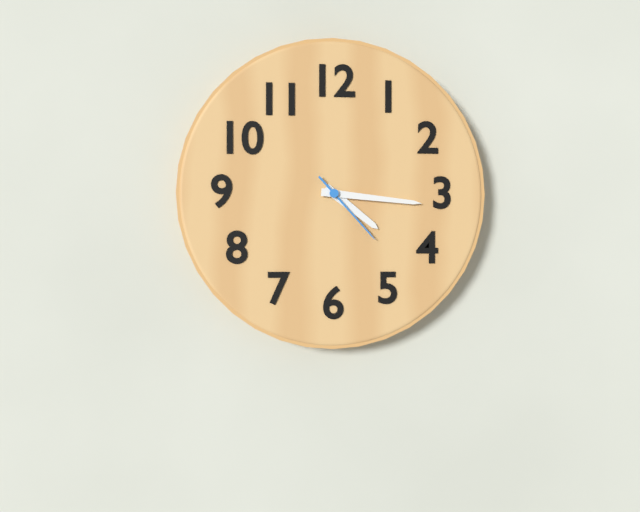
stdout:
4:16:23
